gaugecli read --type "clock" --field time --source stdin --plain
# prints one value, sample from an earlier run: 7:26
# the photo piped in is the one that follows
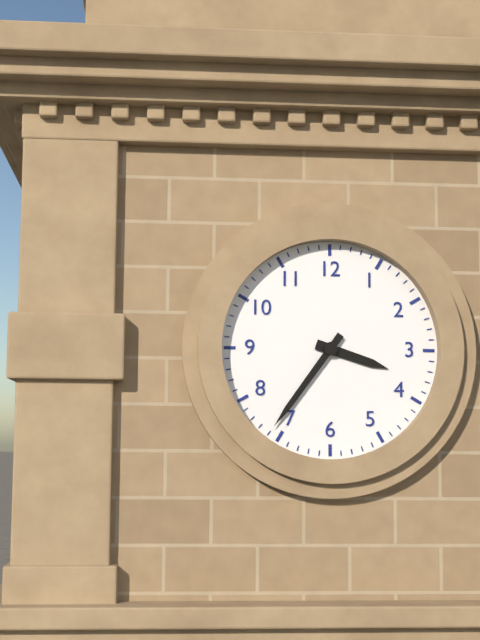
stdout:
3:36
